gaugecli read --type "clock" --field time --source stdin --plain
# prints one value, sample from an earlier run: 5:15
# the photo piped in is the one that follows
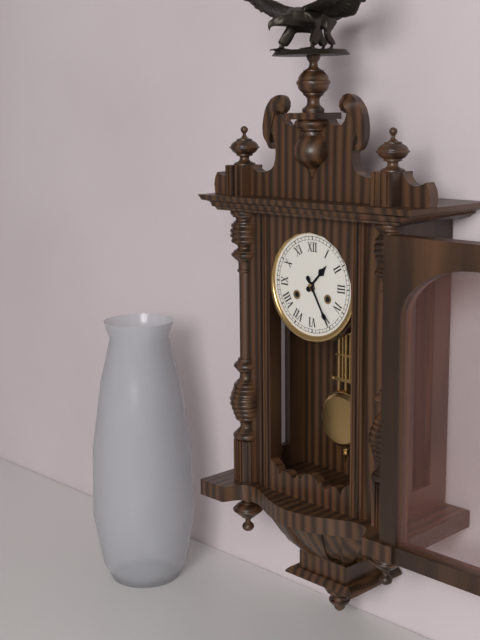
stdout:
1:25
